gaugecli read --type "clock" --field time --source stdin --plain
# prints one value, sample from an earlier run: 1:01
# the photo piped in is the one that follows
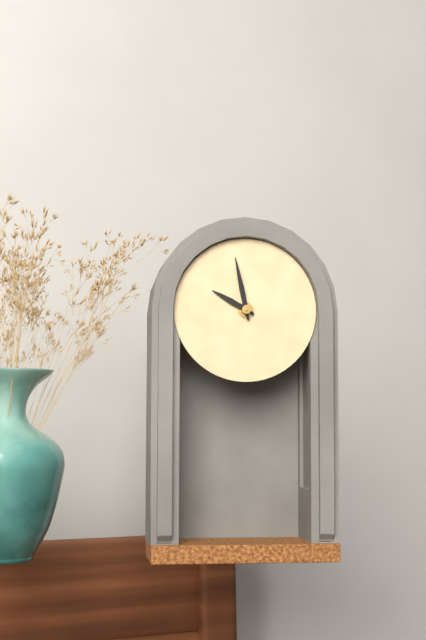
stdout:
9:58
